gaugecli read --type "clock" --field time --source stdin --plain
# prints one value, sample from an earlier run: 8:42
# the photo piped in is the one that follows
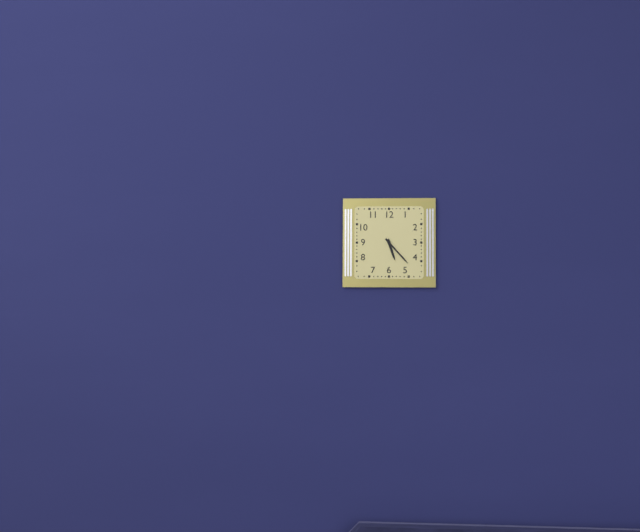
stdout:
5:23
